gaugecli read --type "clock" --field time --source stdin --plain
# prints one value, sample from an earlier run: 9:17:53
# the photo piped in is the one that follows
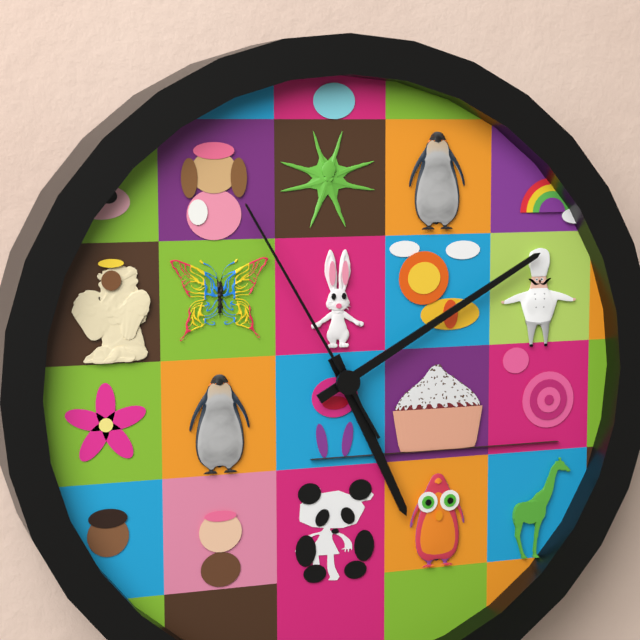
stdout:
5:10:55
